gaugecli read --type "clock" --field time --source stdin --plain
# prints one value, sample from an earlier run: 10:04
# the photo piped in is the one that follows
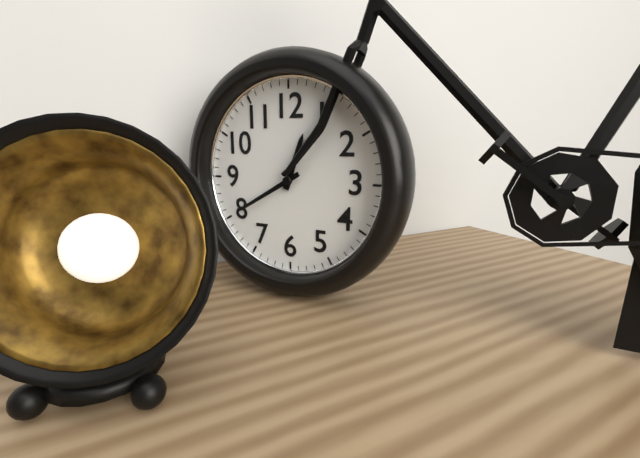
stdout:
12:40
